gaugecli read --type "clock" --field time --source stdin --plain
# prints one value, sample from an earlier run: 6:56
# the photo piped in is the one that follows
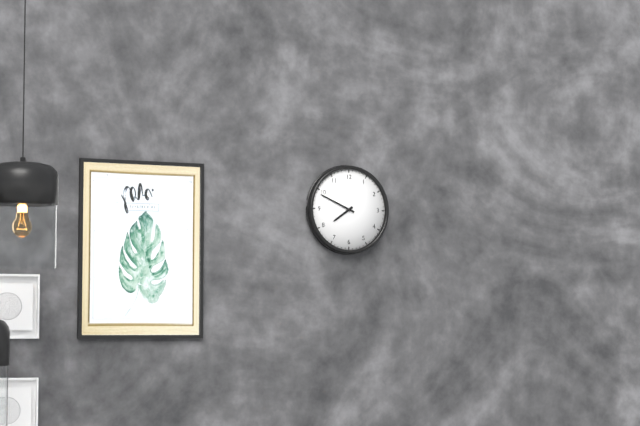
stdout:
7:49
